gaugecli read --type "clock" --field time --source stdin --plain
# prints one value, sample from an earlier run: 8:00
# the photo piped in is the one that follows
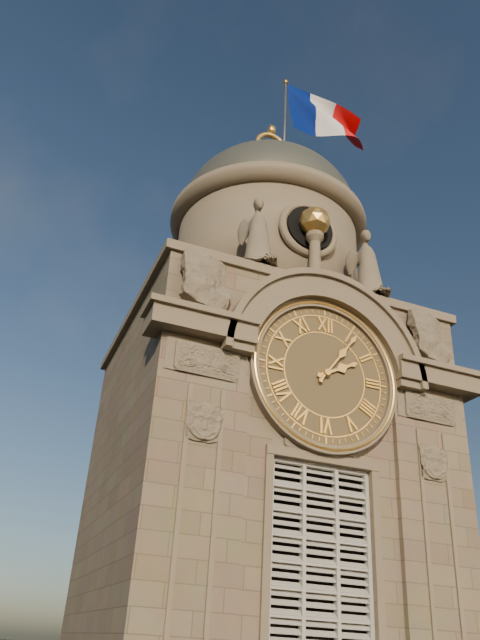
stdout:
2:06
